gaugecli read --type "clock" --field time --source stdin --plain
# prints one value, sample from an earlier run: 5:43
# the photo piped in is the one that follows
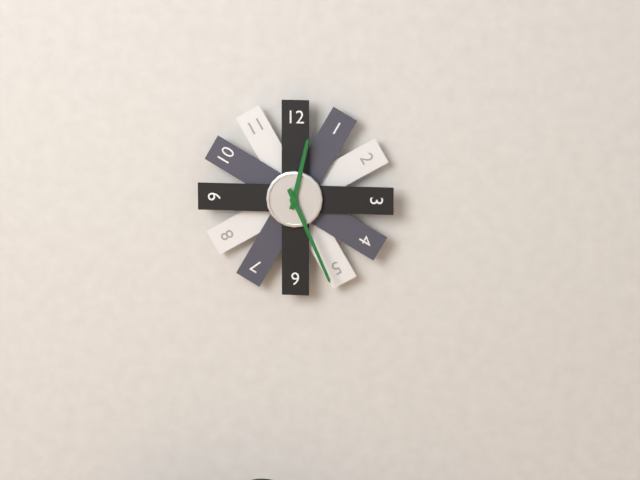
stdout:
12:26
